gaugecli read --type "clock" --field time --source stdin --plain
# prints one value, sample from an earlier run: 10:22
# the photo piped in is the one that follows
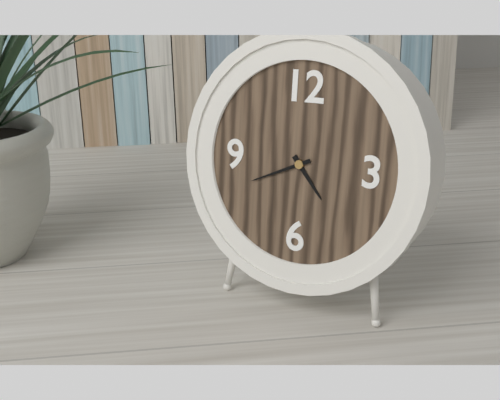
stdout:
4:41
